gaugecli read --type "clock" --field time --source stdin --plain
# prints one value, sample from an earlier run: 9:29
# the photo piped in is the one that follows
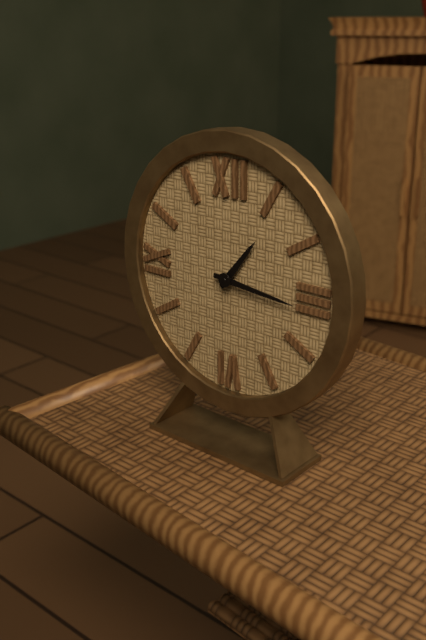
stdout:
1:16
